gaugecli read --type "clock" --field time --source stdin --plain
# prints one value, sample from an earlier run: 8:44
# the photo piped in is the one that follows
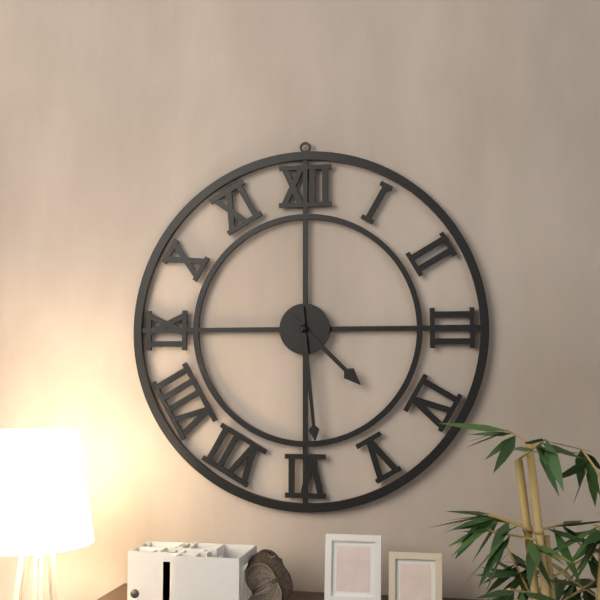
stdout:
4:29
